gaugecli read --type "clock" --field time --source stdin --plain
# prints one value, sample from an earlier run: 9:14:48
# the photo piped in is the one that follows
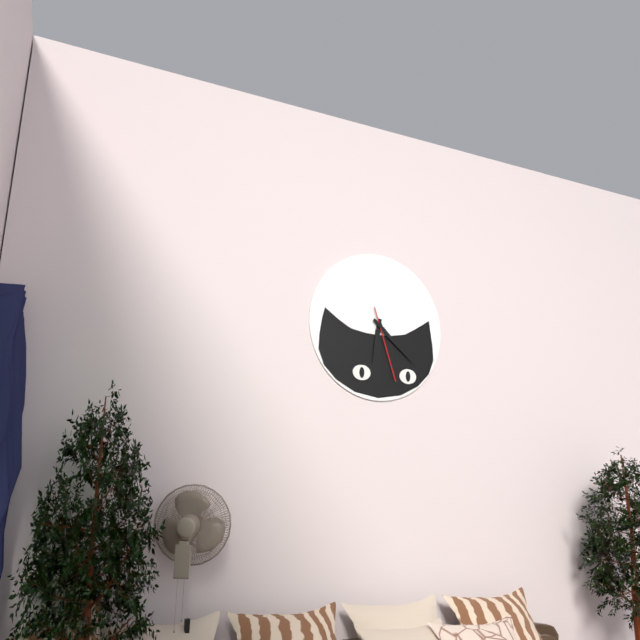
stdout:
6:22:27
